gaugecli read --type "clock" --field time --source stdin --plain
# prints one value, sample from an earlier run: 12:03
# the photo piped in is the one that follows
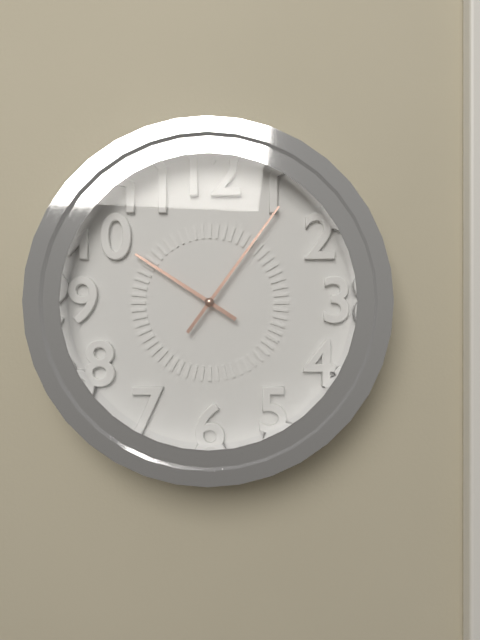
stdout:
10:06
